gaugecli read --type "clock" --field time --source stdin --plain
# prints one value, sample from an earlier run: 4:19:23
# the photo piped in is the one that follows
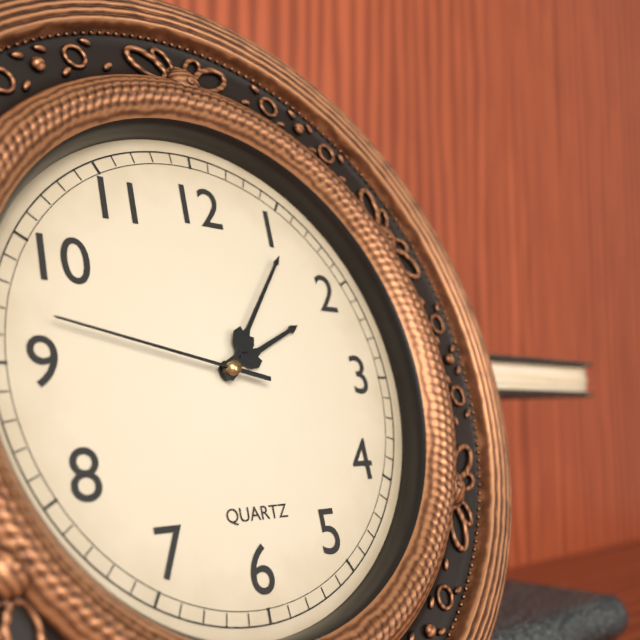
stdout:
2:06:47
